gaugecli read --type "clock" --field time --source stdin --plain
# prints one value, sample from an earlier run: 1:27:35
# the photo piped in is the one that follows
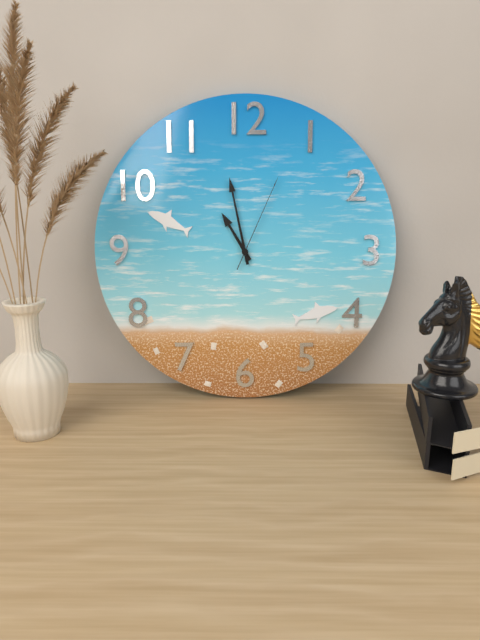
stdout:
10:58:04
